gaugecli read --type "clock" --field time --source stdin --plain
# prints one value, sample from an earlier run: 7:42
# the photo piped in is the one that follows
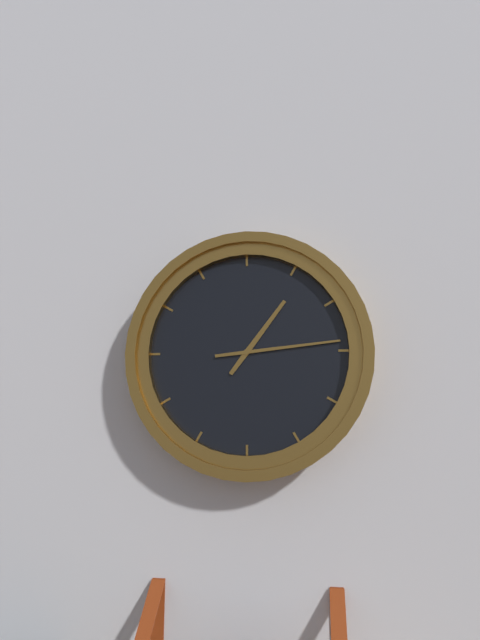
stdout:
1:14
